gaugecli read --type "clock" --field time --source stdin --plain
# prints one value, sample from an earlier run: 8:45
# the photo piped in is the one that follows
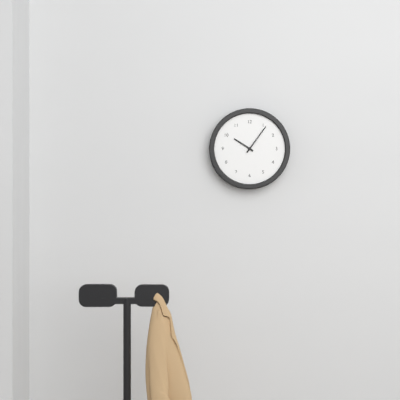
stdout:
10:06
